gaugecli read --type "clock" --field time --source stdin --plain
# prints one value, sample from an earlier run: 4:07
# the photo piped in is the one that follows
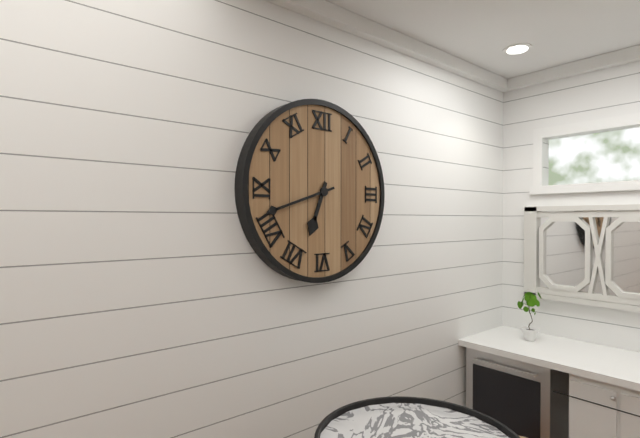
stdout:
6:42
